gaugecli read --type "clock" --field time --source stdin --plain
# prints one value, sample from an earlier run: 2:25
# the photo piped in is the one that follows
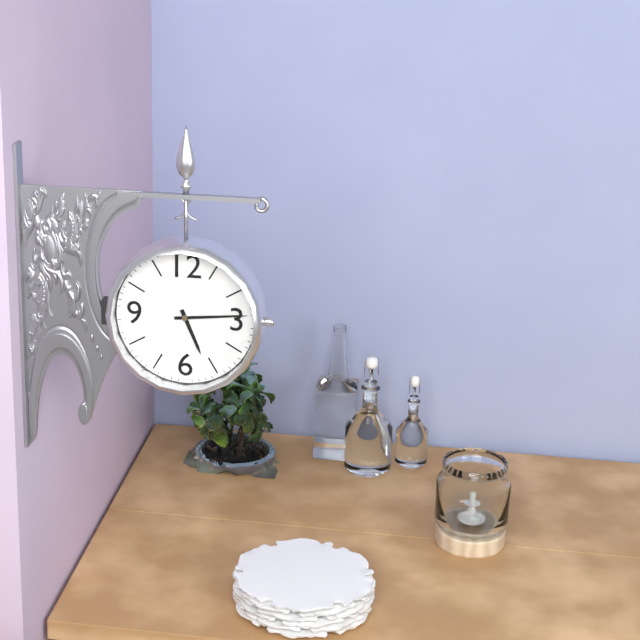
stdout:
5:14
